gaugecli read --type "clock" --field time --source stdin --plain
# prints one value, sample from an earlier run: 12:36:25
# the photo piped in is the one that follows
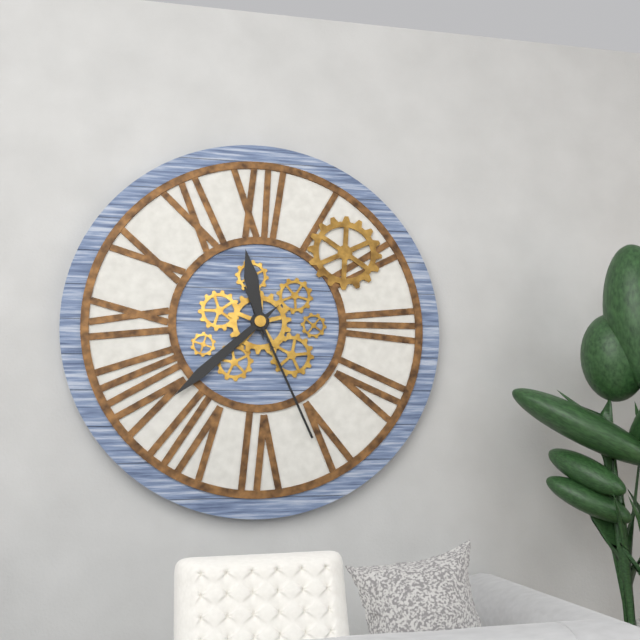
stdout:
11:38:26
